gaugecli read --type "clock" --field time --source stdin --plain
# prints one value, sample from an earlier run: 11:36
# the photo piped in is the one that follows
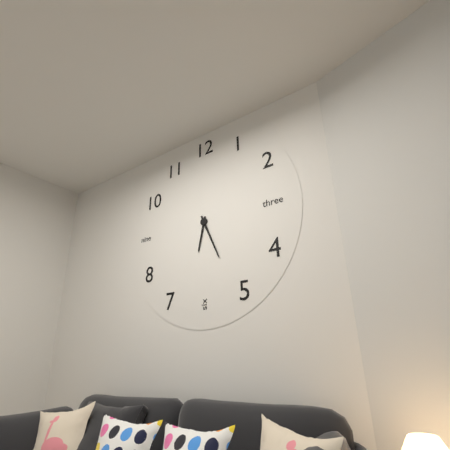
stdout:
6:26
